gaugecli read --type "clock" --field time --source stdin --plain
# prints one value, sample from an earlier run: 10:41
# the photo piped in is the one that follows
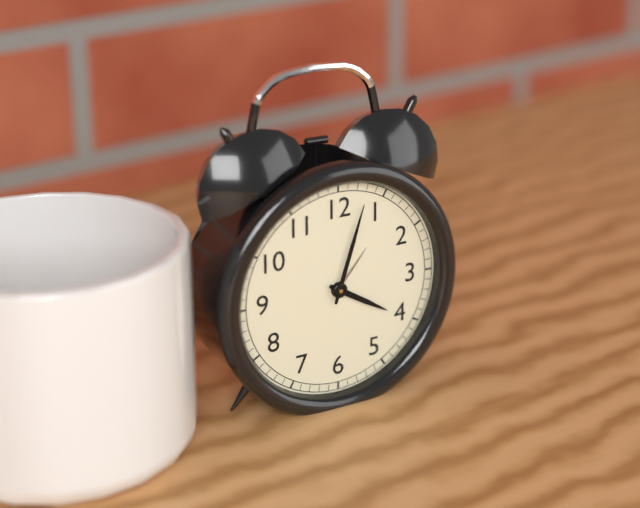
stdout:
4:03
